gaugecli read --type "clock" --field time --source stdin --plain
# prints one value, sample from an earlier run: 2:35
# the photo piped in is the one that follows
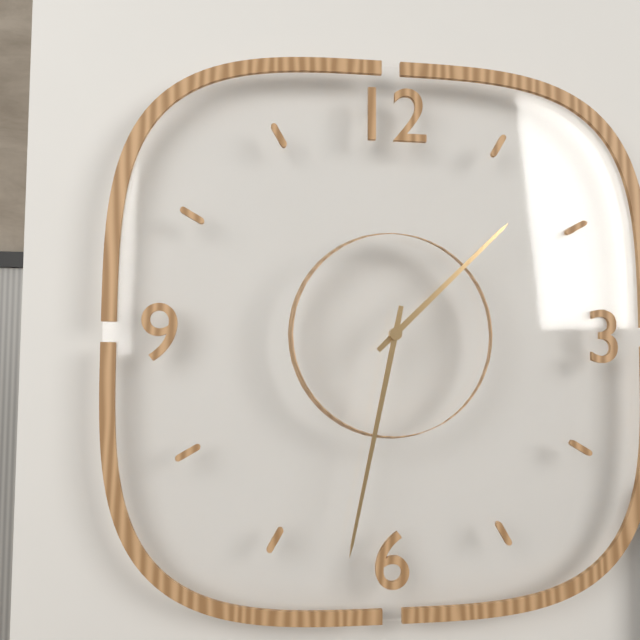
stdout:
1:32
